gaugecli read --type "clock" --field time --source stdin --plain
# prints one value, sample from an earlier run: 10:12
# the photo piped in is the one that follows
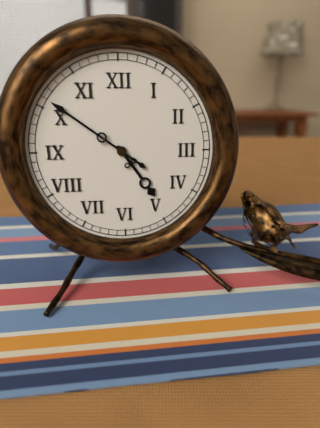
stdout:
4:51
